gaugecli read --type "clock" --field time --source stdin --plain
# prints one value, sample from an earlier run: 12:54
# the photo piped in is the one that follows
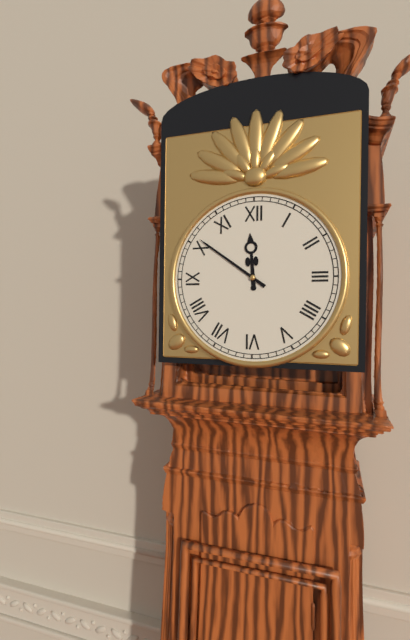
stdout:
11:51
